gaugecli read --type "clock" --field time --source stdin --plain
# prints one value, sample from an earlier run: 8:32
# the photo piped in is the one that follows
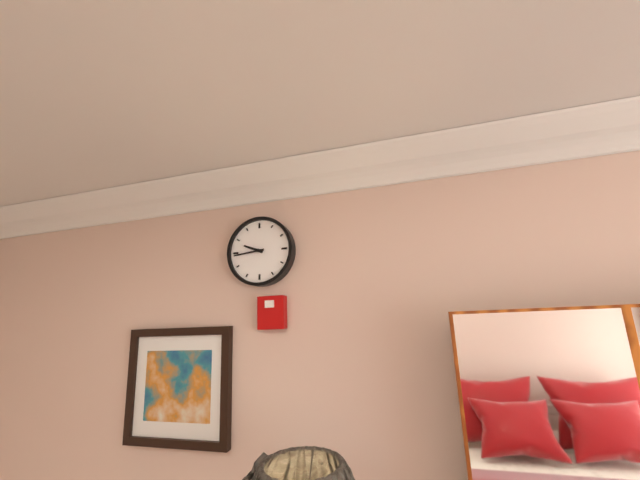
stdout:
9:44
